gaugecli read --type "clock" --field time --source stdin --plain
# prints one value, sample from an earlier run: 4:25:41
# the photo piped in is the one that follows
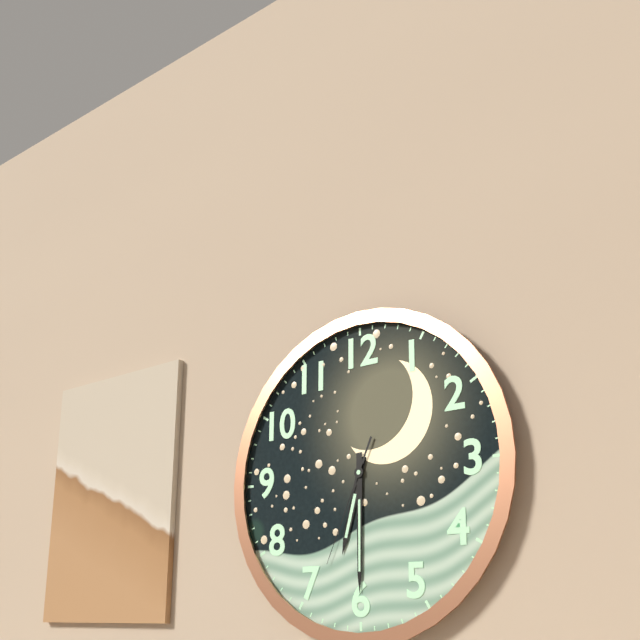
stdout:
6:30:34
